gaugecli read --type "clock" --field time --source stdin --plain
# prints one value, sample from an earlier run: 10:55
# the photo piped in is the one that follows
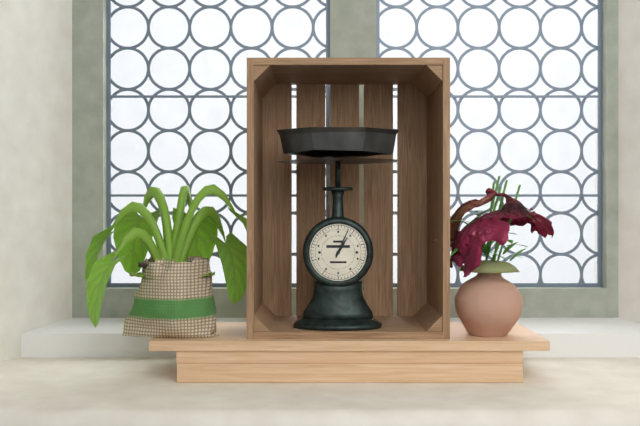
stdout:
1:04
